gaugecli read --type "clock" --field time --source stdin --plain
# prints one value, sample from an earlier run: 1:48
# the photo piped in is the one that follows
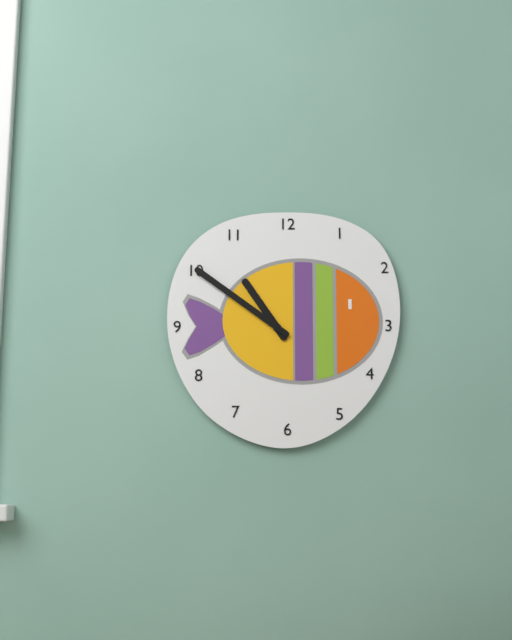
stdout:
10:51
